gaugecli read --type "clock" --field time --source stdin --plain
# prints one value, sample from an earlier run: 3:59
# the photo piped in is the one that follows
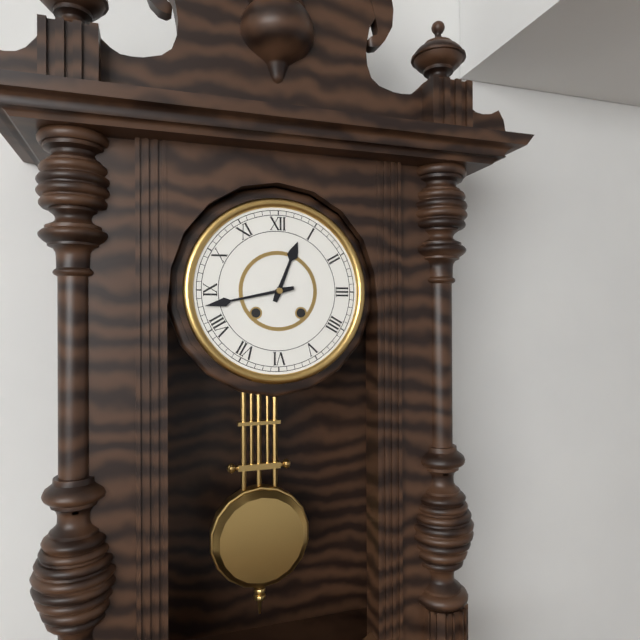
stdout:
12:43
